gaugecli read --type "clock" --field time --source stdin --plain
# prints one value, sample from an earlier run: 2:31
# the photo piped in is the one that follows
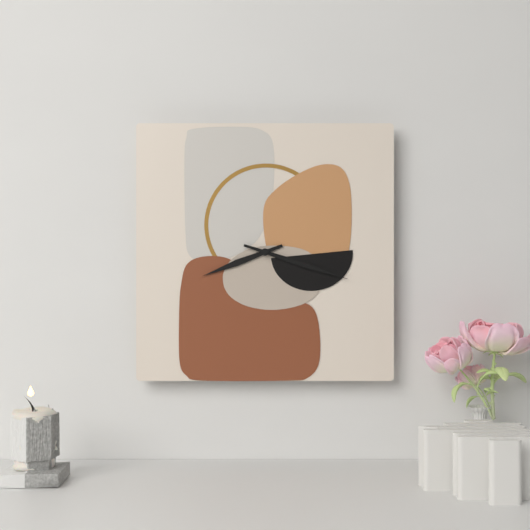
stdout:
8:18
